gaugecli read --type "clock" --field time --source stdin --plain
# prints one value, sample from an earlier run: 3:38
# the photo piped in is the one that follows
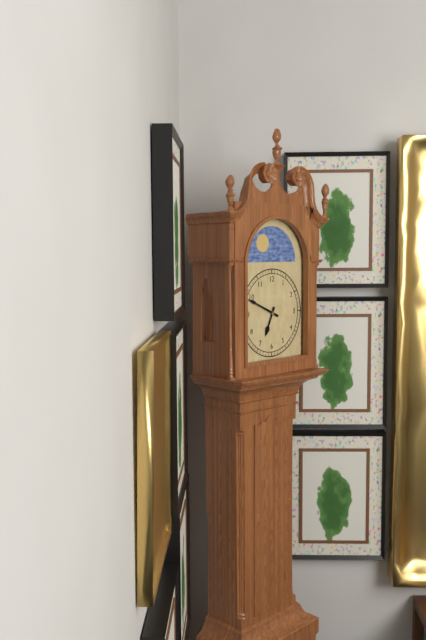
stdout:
6:49
